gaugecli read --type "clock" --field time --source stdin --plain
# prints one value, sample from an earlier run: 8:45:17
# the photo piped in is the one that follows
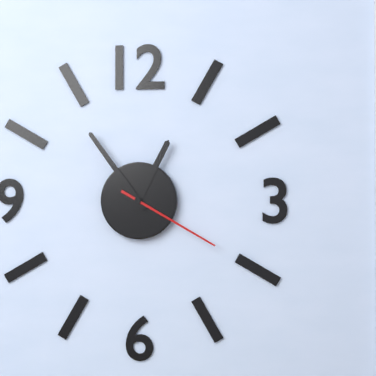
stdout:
12:54:20
